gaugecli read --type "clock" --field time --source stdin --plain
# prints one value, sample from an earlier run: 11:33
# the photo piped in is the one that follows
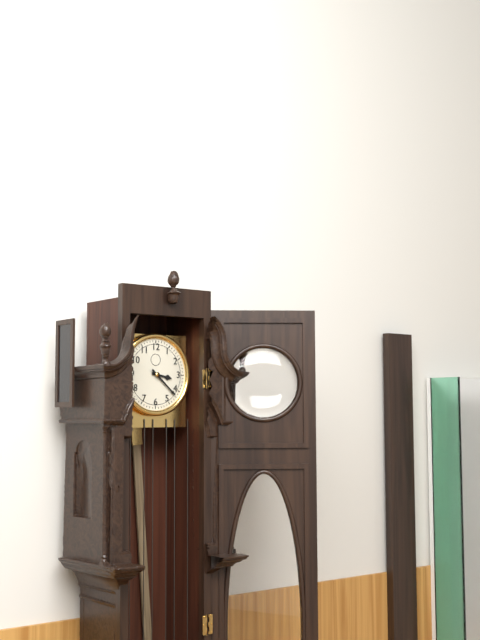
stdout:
3:22
